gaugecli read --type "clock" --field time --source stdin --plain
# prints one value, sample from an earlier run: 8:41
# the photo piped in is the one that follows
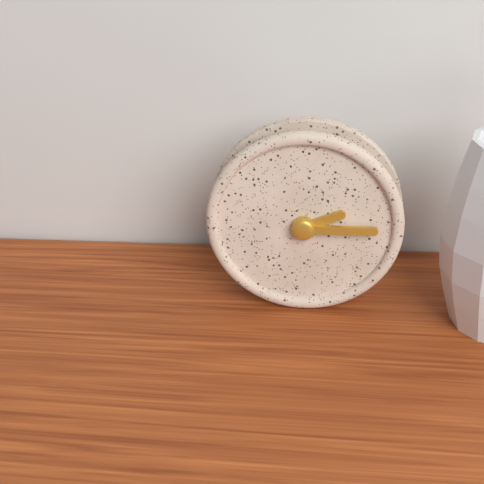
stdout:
2:15
